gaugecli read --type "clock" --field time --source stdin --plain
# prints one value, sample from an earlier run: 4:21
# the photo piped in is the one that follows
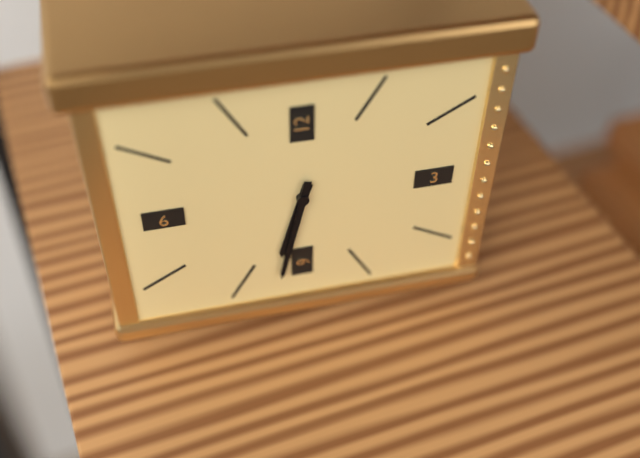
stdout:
6:32
